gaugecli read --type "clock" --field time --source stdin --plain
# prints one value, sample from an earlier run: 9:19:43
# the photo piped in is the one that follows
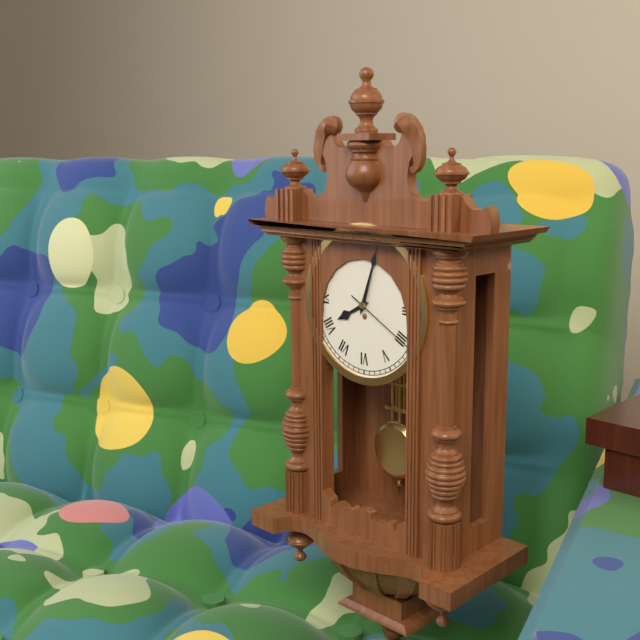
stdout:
8:03:20
